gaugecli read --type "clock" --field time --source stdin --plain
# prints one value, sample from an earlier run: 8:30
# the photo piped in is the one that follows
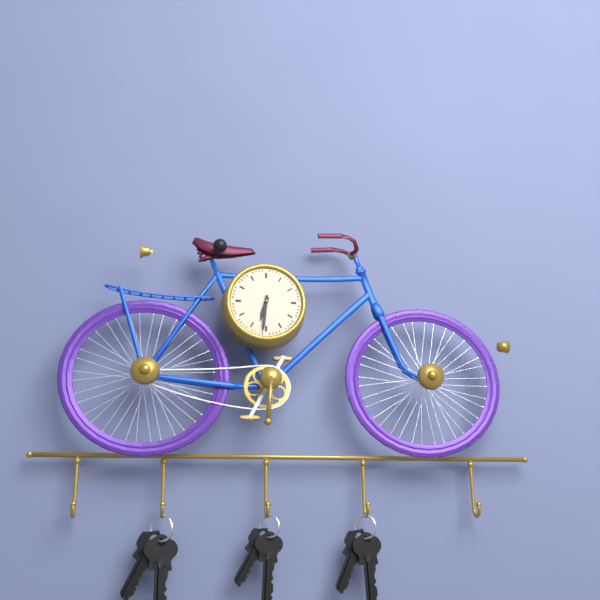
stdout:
6:31
